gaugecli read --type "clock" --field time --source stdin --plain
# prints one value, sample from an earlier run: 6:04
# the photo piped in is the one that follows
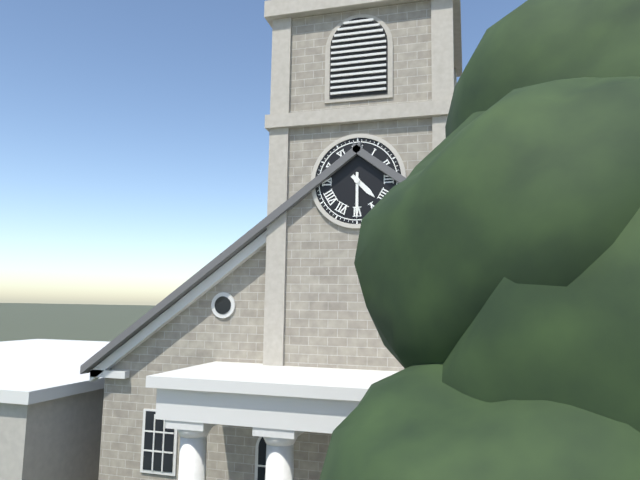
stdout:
4:30
